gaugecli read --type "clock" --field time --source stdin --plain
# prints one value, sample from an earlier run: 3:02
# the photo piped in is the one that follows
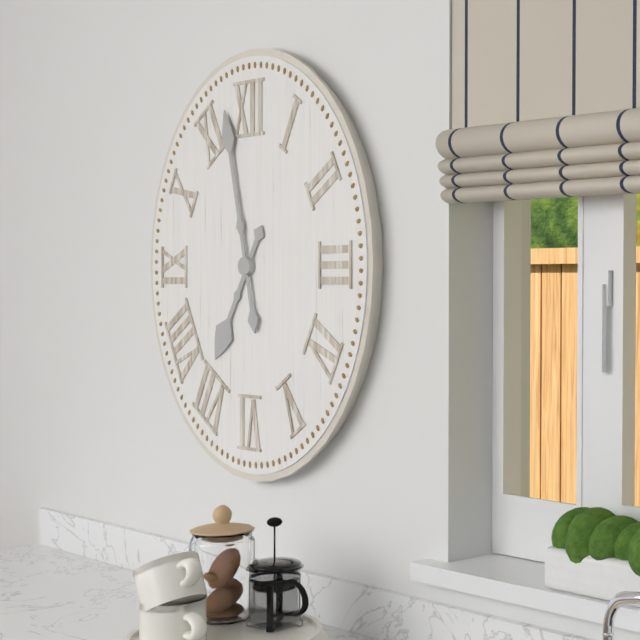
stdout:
6:58
